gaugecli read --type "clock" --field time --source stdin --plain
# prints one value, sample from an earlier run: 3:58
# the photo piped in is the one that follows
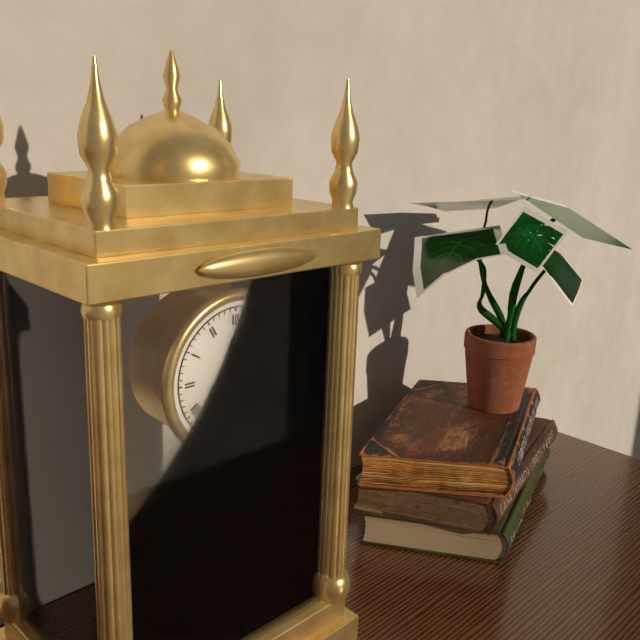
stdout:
12:06
